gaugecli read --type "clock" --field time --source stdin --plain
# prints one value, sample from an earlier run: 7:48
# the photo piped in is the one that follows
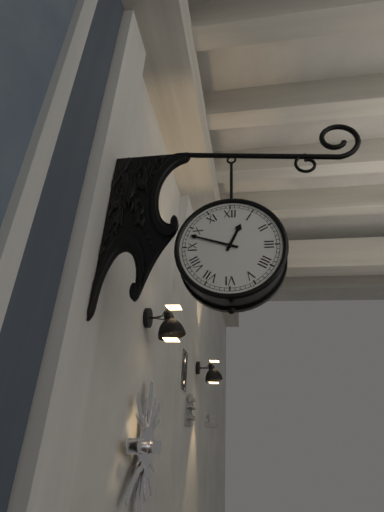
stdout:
12:48
